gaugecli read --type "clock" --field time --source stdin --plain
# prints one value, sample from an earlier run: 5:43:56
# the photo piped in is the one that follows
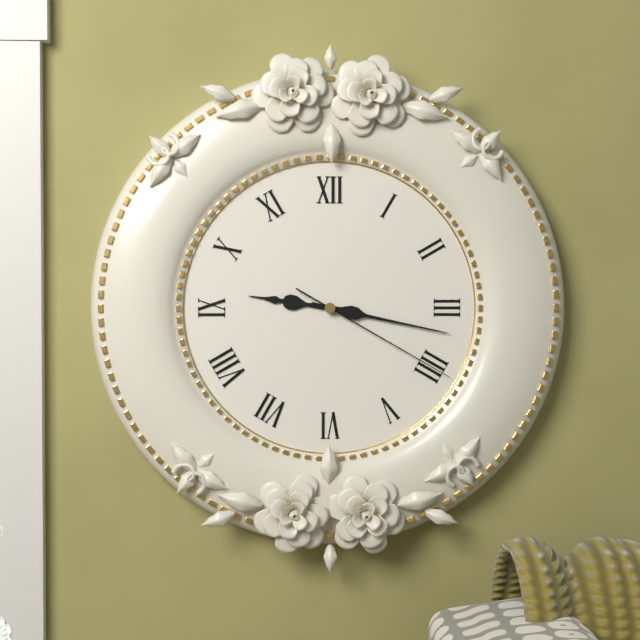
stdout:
9:17:20
